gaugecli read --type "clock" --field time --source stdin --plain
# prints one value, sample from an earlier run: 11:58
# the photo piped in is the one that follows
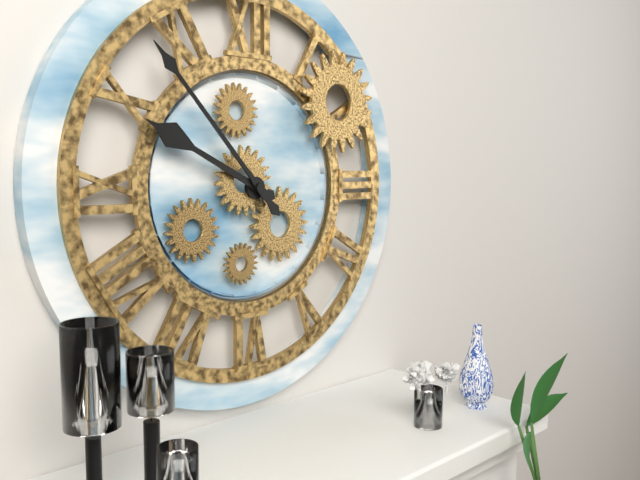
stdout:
9:53
